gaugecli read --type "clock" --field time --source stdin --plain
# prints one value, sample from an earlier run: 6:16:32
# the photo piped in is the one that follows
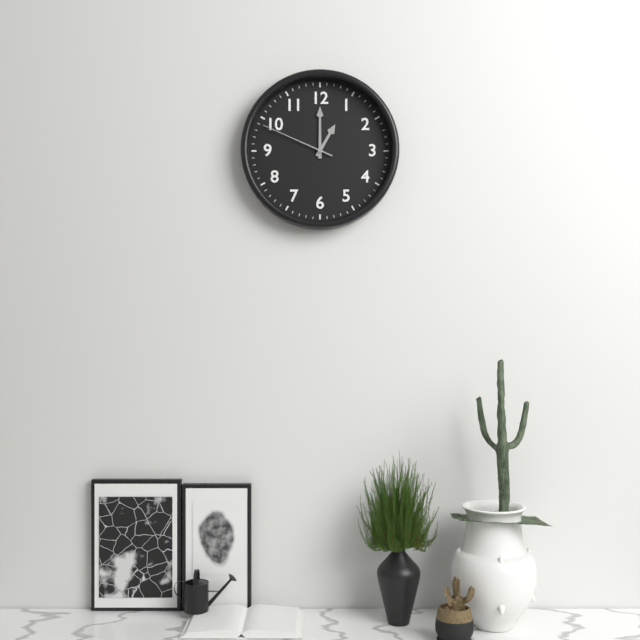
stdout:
1:00:49
